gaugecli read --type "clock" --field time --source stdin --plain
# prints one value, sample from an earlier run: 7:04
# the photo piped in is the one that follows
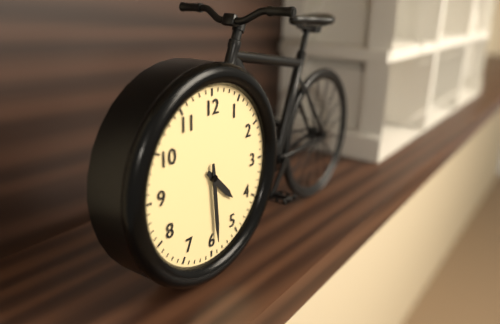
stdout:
4:29
